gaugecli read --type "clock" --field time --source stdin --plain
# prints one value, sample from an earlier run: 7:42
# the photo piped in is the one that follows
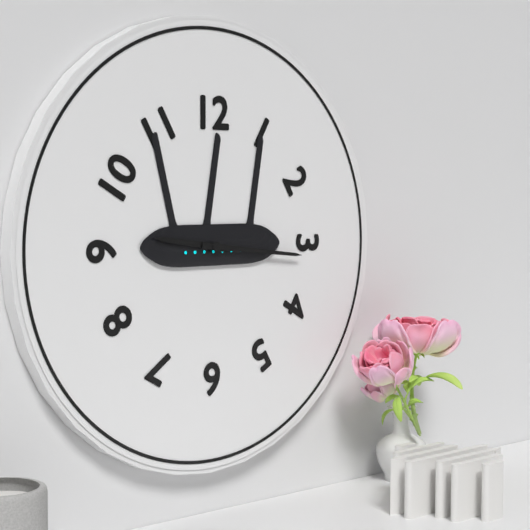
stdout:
9:16
